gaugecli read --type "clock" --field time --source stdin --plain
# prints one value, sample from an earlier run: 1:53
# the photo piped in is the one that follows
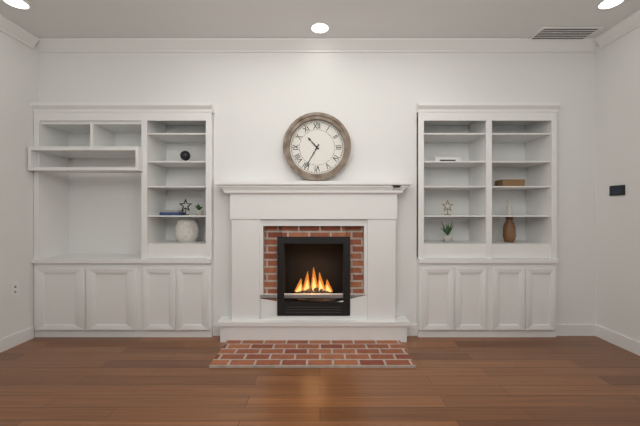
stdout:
10:35
